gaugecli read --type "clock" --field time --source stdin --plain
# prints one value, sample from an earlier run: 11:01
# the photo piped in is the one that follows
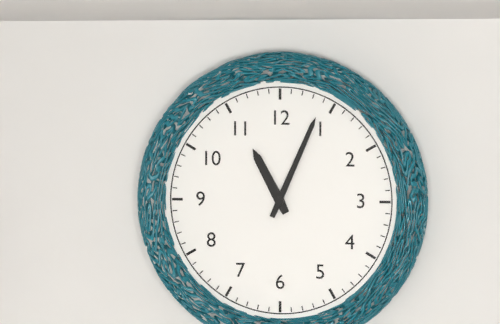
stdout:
11:04
